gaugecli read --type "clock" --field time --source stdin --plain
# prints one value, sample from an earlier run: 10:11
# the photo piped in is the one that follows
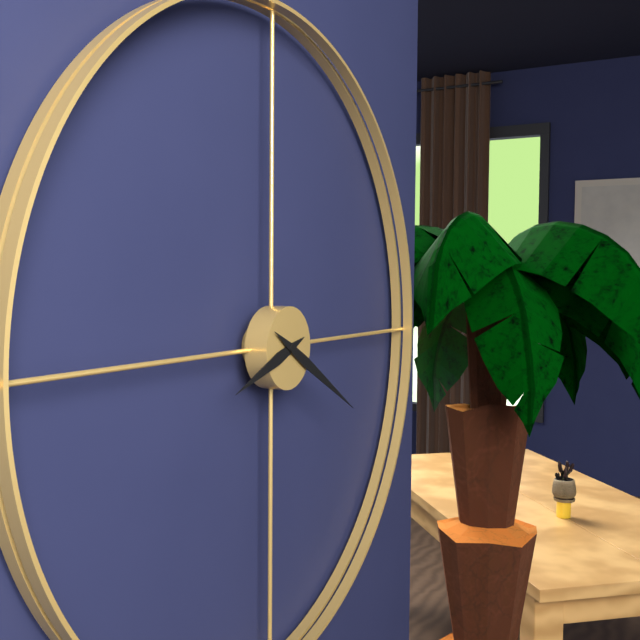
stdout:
8:20
